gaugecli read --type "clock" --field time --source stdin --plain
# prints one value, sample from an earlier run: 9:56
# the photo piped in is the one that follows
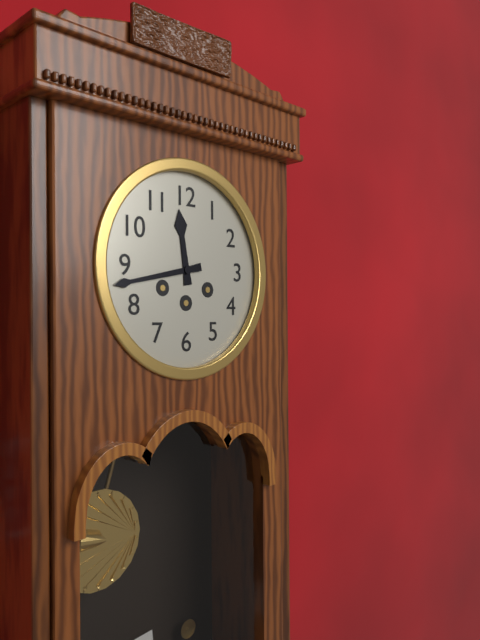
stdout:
11:43
